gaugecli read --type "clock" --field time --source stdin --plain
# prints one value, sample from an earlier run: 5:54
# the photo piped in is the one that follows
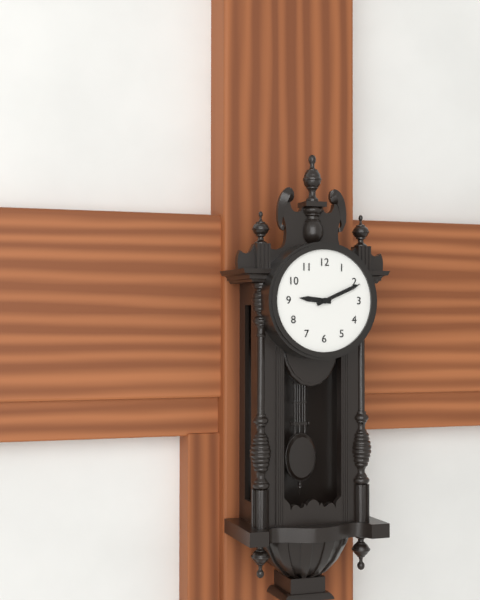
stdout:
9:11
